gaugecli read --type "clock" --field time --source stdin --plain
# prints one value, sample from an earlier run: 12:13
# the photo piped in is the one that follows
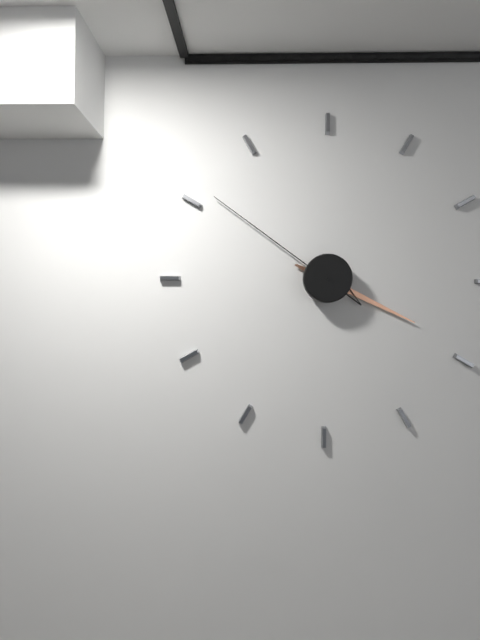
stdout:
3:51
